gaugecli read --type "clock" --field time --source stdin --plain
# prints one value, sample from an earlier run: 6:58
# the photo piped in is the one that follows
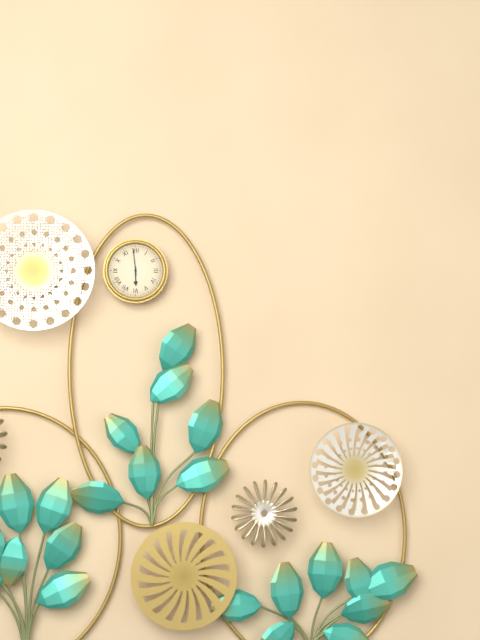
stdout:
5:59
